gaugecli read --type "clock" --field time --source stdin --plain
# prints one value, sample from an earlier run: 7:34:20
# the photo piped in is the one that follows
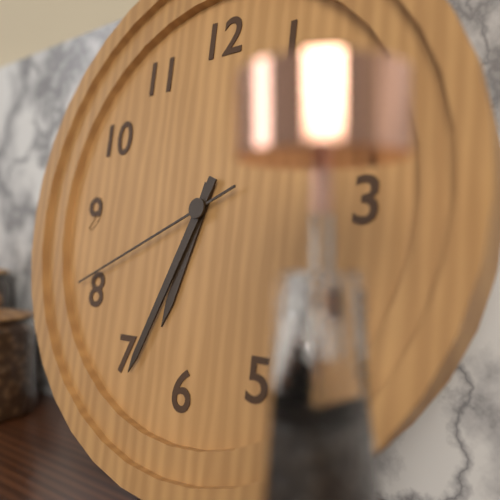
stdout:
6:34:41
